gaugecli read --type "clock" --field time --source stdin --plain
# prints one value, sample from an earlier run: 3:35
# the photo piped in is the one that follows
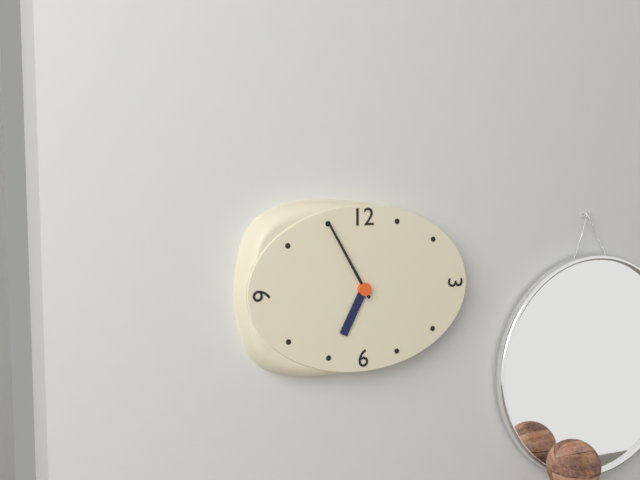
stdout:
6:55
